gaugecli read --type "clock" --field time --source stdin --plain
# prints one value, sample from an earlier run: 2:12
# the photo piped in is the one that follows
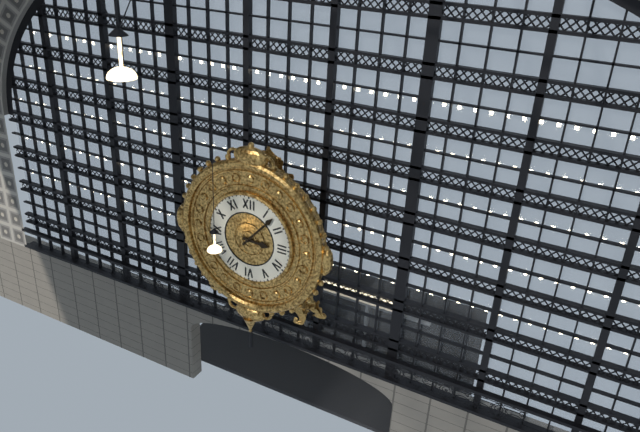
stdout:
3:07
